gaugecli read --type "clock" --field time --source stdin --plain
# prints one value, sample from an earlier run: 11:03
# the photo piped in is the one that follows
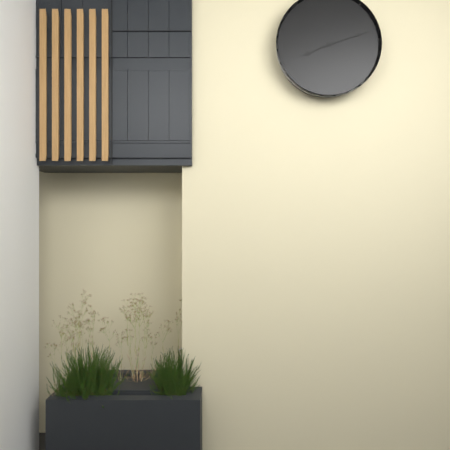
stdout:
8:12
